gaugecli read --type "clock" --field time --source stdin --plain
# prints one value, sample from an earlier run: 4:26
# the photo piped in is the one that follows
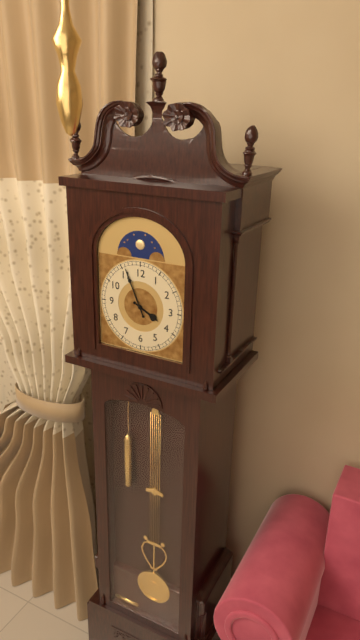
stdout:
3:56
